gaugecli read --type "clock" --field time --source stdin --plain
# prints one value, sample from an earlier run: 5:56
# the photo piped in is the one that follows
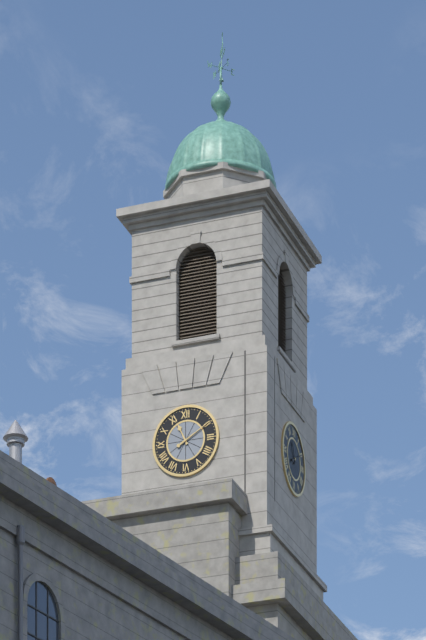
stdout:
11:10
